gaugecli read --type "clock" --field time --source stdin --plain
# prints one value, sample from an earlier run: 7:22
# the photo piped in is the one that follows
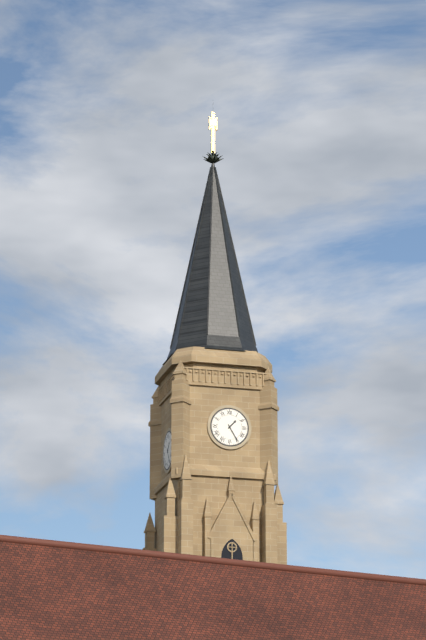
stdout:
1:25
